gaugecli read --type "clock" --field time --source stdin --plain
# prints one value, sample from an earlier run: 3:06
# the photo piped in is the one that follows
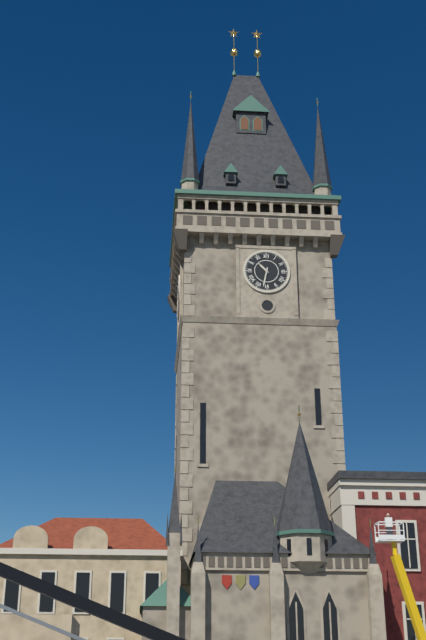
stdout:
10:32
